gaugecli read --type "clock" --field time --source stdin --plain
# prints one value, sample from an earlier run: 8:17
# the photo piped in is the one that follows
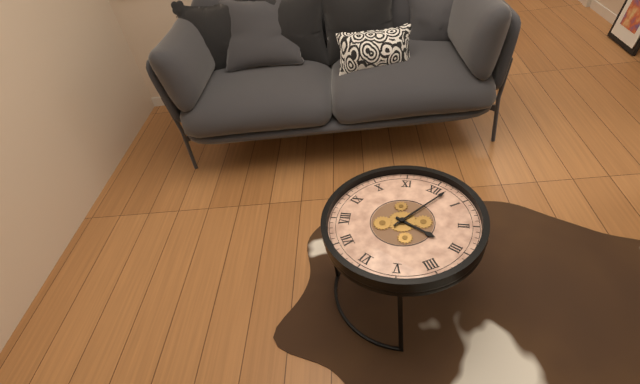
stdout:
3:02
